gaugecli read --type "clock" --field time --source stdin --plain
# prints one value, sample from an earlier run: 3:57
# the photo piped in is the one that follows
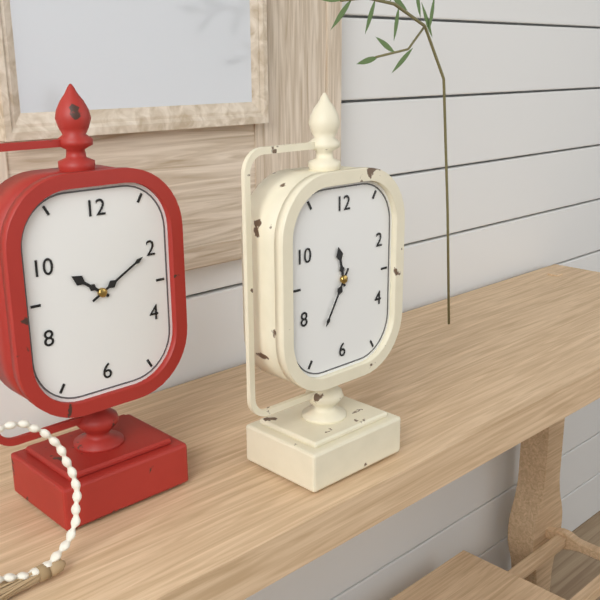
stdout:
11:35
